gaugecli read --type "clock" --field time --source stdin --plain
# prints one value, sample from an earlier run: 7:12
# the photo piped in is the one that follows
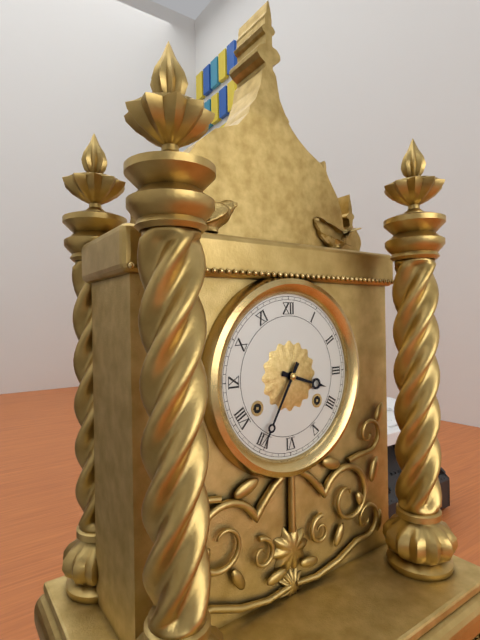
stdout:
3:35
